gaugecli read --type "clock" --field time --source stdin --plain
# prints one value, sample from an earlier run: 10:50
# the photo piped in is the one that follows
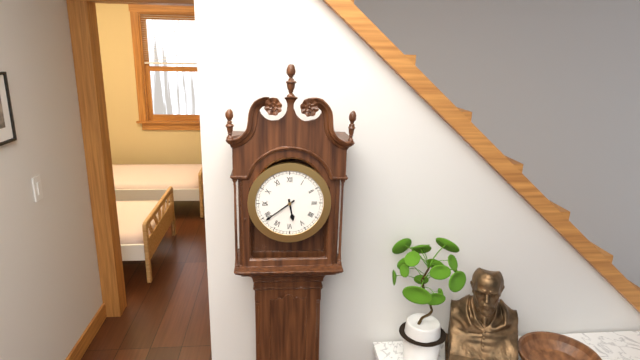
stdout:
5:39
